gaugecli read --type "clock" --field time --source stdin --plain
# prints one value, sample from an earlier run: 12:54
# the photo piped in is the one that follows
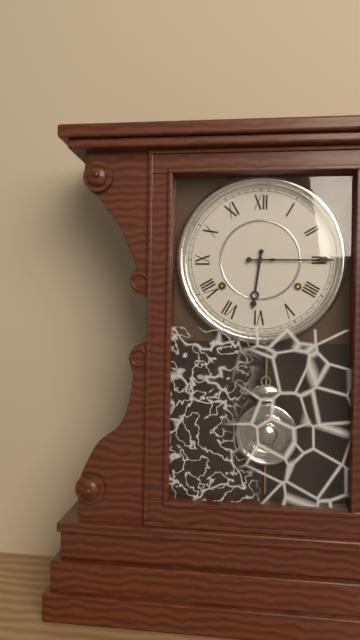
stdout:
6:15
